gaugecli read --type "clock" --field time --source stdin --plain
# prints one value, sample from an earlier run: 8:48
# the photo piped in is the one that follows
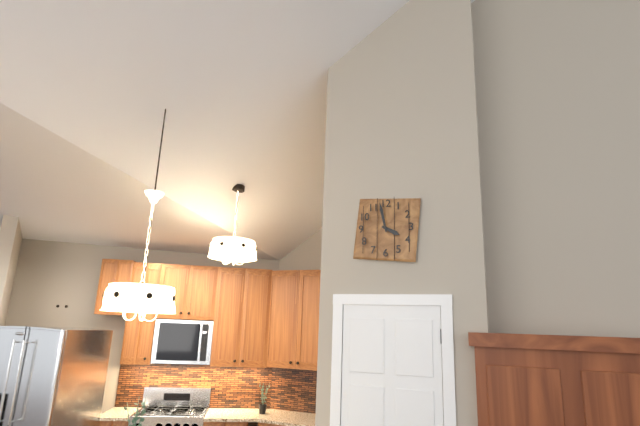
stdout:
3:58
